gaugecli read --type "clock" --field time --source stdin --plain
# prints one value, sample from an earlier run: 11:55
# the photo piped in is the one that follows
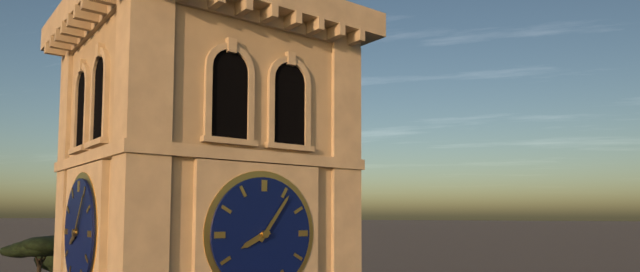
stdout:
8:06
